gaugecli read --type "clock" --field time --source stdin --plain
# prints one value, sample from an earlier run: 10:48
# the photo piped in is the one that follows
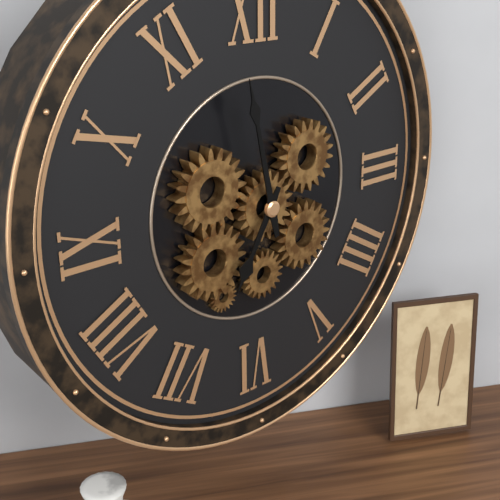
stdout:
6:58
